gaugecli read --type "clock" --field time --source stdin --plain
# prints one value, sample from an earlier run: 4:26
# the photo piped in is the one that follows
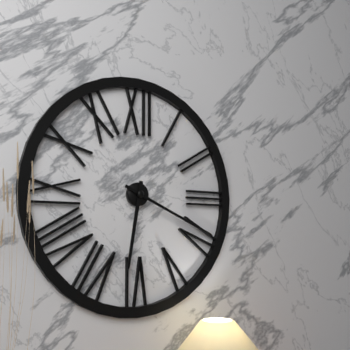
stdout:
6:19
